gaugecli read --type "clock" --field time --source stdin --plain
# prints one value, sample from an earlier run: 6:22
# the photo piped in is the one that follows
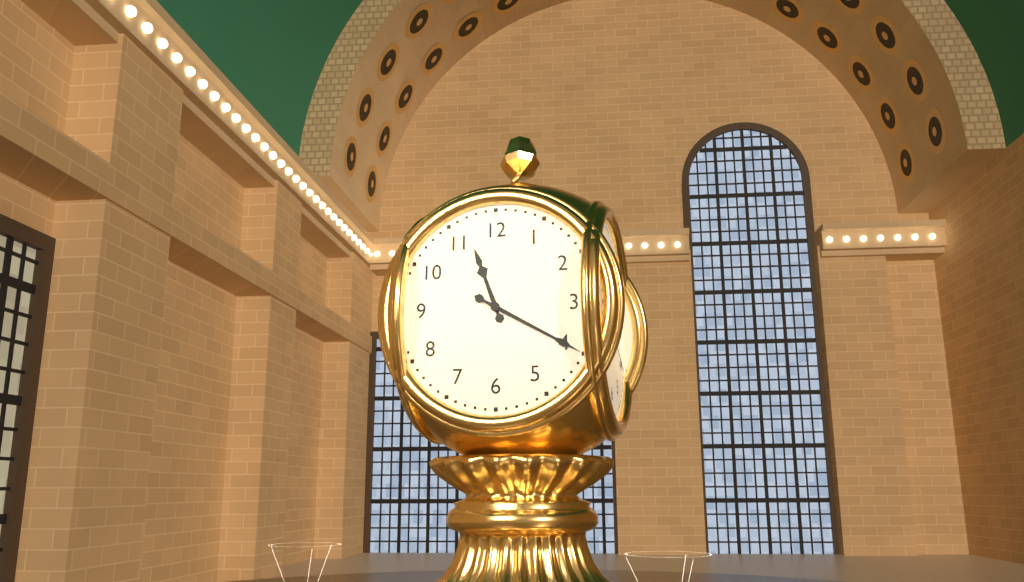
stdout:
11:20
